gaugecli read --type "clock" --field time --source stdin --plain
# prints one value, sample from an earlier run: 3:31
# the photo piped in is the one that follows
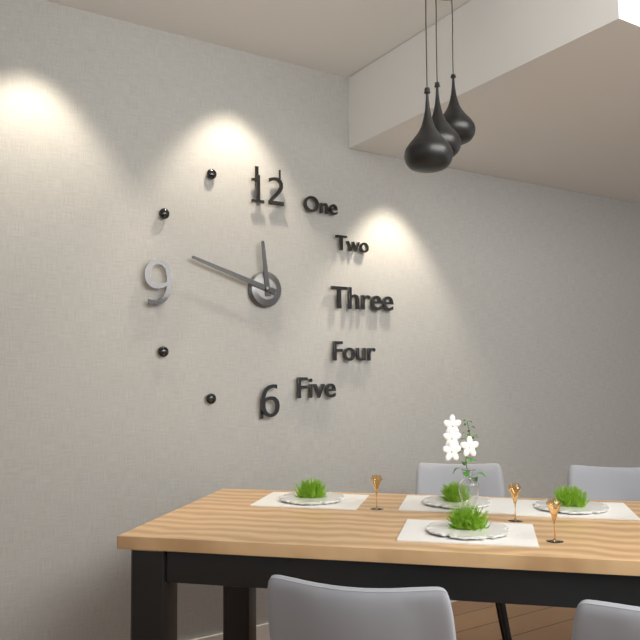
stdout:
11:48
